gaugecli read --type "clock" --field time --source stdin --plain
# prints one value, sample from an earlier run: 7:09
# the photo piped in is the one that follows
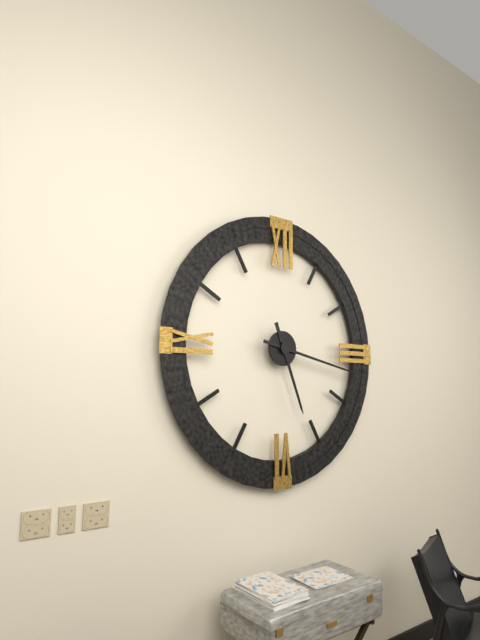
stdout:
5:17
